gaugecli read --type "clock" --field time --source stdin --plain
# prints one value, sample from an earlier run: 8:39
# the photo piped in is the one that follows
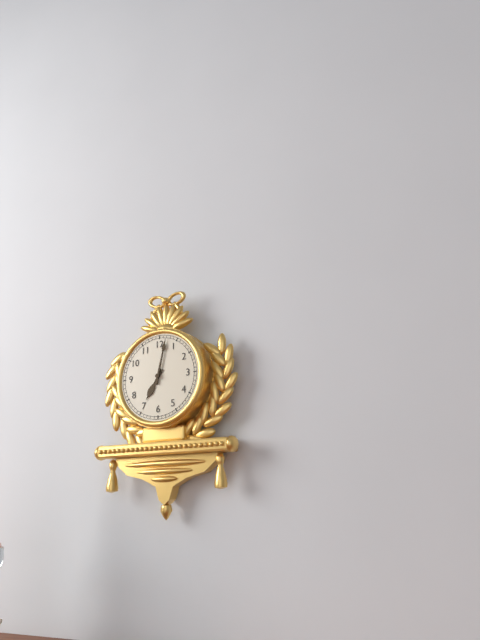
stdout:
7:02
